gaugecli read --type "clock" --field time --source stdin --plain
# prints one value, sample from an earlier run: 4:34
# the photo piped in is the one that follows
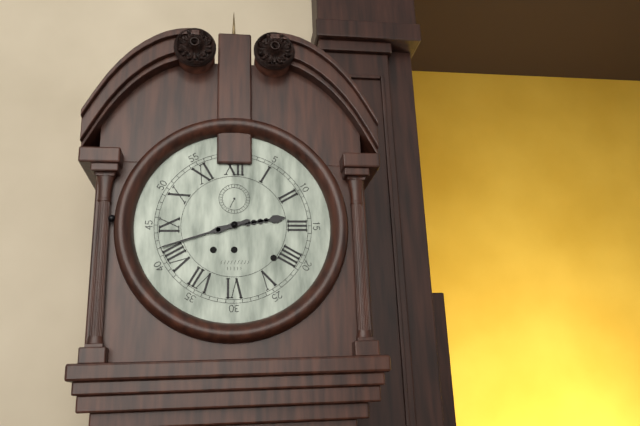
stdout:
2:42
